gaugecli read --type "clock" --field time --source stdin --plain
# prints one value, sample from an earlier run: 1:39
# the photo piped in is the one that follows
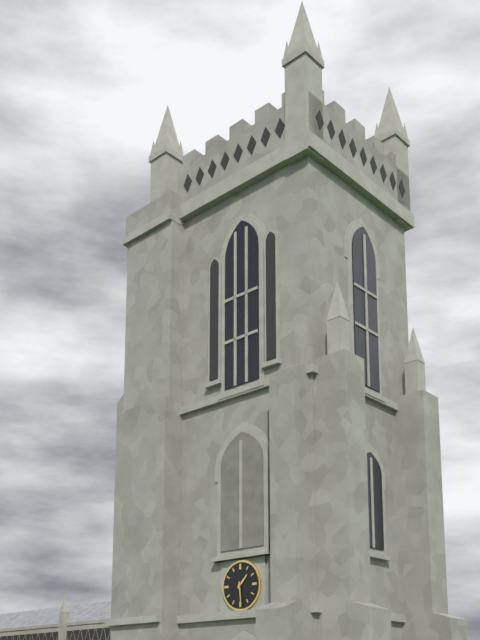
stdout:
1:29
